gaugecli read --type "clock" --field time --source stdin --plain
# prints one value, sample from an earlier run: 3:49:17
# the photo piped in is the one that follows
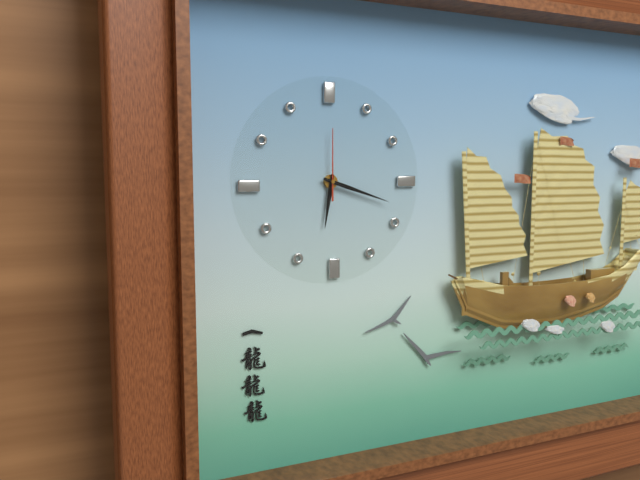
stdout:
6:18:00
